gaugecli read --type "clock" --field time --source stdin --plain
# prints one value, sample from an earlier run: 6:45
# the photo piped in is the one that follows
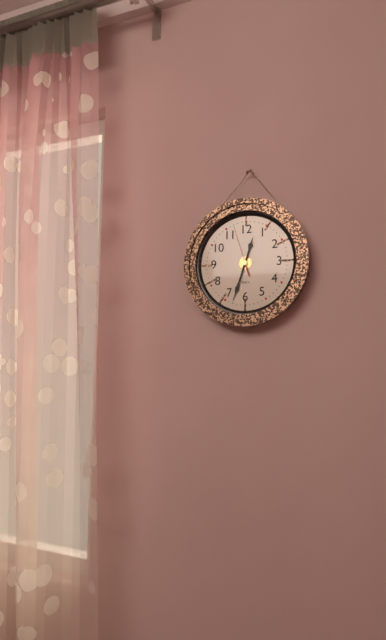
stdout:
12:33
